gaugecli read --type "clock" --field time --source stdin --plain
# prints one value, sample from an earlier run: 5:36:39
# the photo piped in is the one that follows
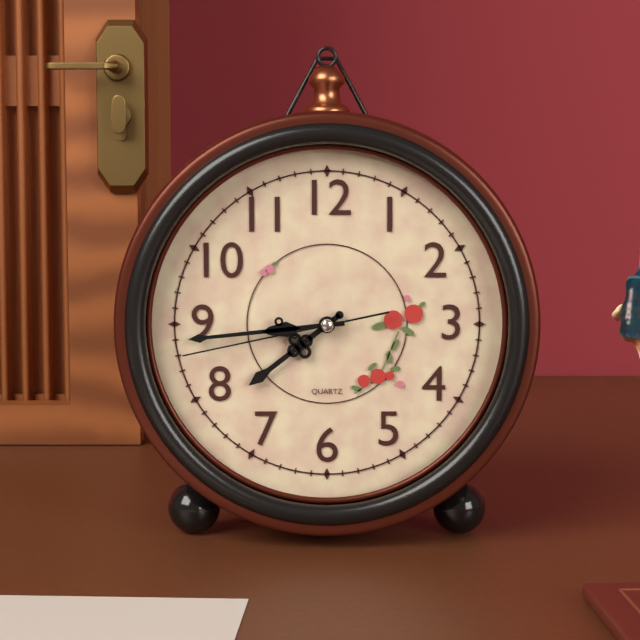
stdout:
7:44:43
